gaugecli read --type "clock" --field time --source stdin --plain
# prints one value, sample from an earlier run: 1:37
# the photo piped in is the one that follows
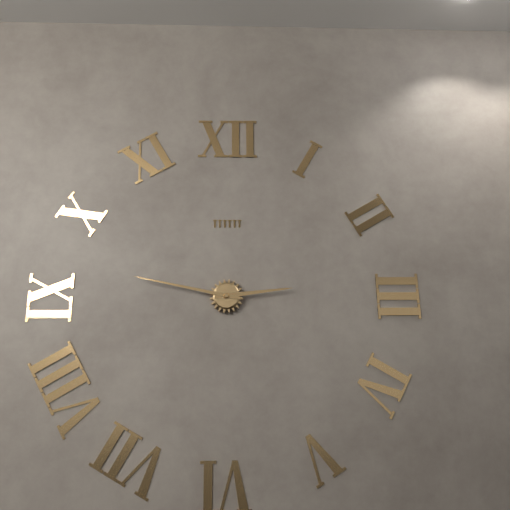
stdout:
2:47
